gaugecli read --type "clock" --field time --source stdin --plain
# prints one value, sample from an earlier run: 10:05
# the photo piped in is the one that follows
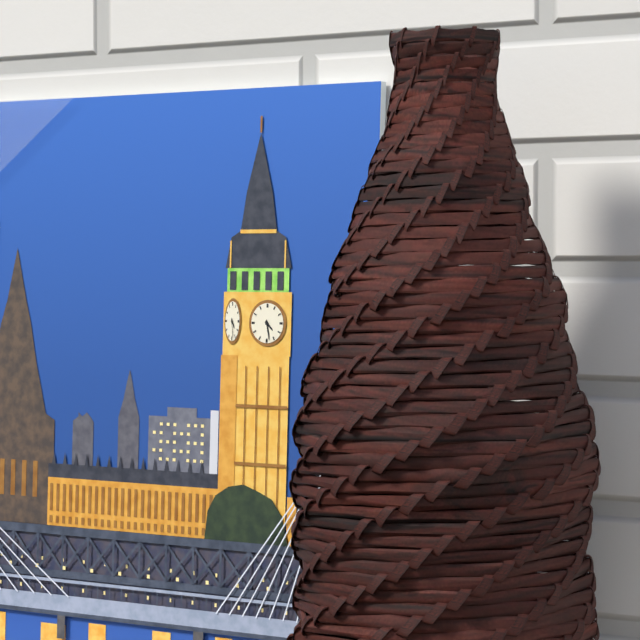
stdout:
4:28
